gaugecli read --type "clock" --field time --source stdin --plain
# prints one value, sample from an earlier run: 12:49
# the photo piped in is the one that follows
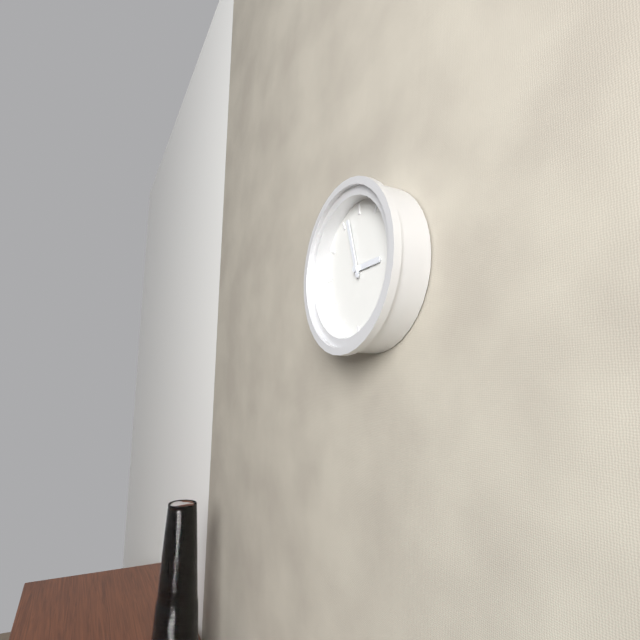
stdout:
2:57
